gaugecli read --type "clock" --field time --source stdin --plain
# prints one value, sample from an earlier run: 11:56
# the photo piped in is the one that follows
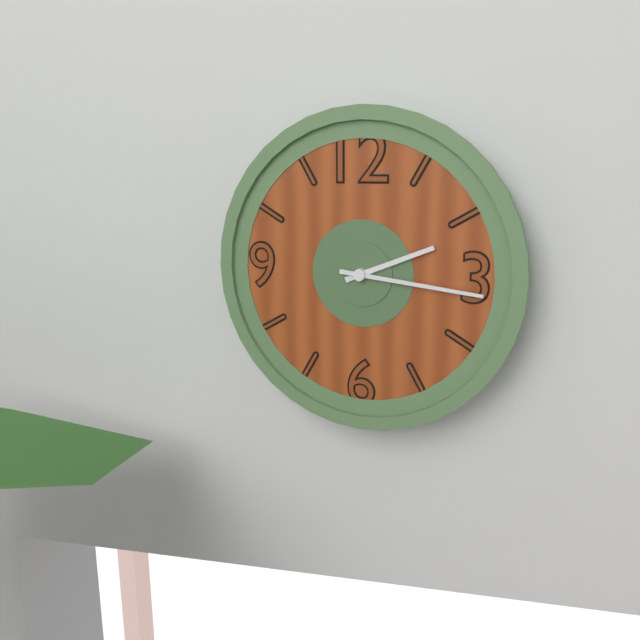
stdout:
2:16
